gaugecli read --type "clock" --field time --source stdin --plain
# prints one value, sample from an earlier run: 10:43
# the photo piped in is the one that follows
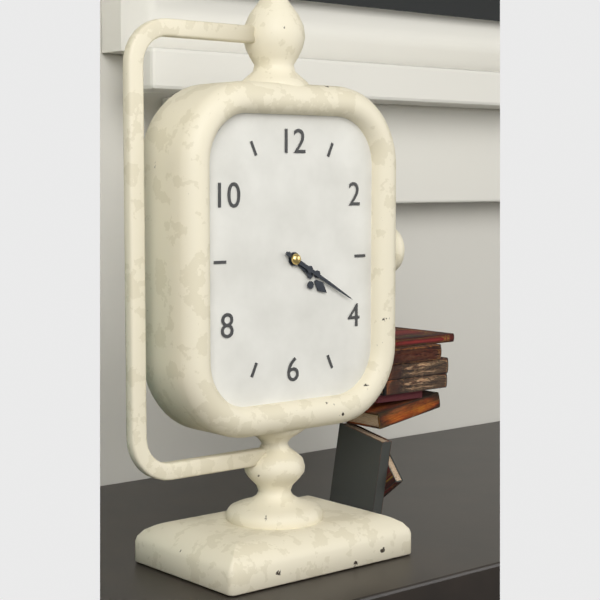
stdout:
4:20
